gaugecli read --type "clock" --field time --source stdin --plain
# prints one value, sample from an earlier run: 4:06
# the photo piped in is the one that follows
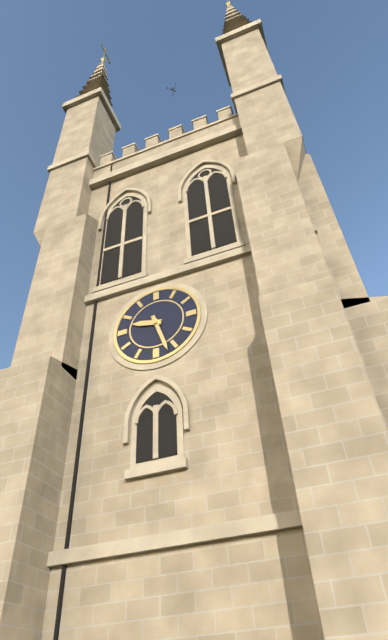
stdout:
9:27
